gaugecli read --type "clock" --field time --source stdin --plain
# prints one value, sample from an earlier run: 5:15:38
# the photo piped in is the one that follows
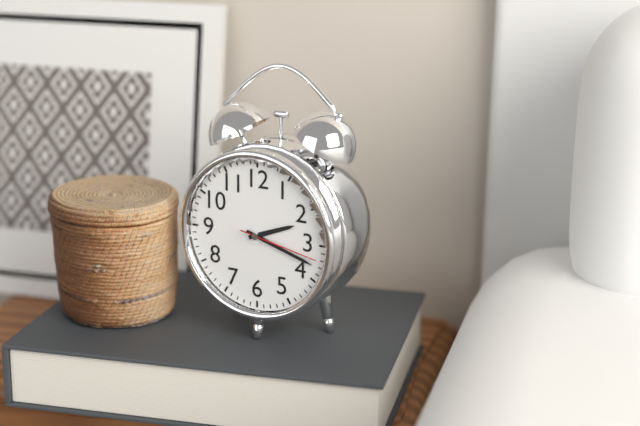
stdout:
2:18:17
